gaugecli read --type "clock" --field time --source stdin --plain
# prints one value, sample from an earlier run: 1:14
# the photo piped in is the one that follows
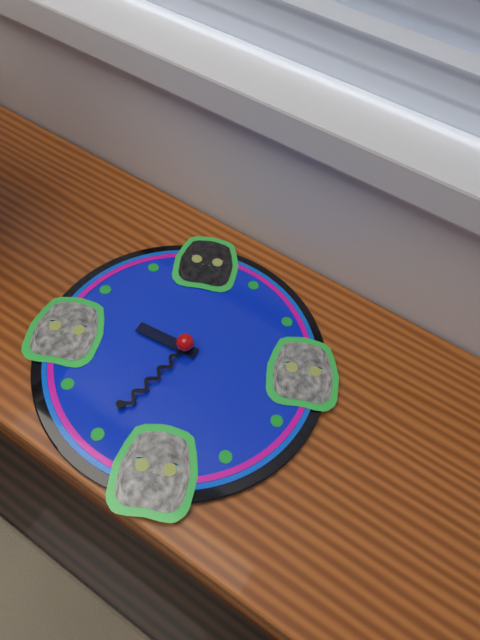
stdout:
9:35
